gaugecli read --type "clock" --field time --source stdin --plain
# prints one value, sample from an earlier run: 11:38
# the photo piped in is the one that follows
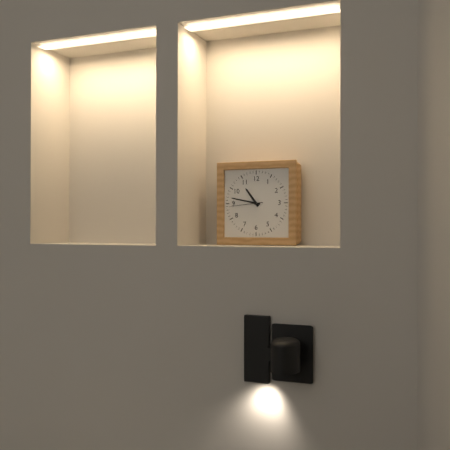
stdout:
10:47
